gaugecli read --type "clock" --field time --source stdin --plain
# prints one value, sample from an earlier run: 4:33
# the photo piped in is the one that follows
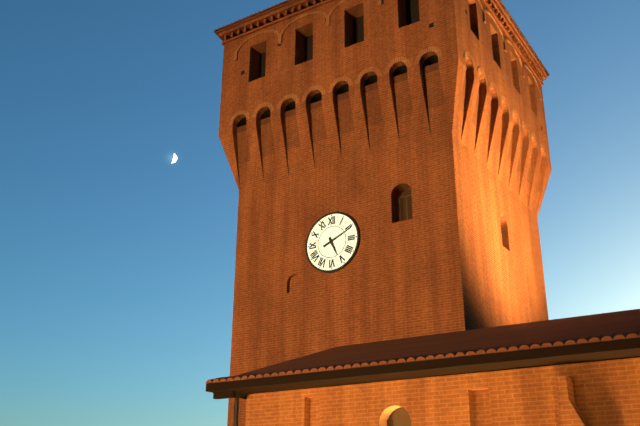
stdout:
5:11
